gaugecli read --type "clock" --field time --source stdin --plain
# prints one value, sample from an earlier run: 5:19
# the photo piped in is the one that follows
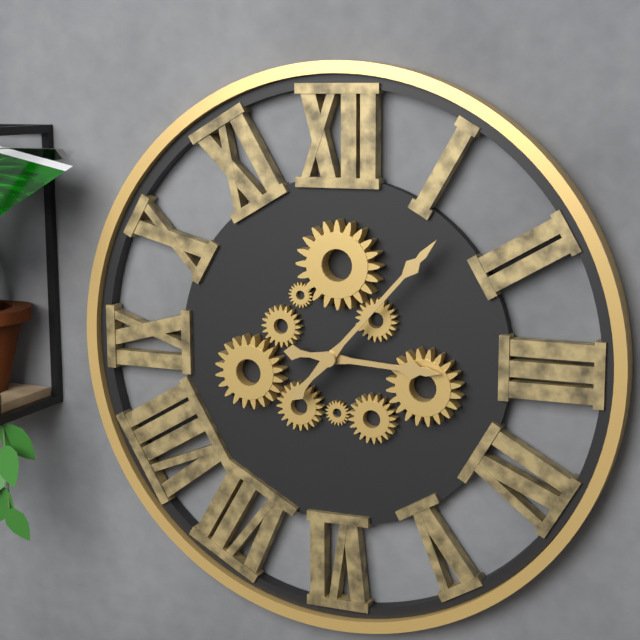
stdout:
3:07
